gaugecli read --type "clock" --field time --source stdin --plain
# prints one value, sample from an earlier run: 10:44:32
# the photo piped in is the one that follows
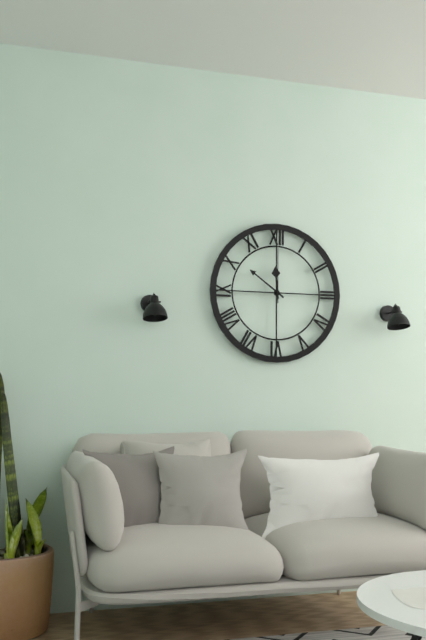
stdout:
11:51:00
